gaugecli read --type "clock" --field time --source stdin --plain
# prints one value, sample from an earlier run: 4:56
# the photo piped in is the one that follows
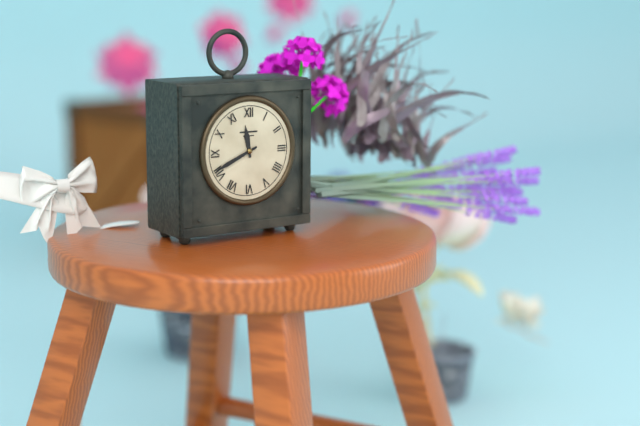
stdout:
11:41
